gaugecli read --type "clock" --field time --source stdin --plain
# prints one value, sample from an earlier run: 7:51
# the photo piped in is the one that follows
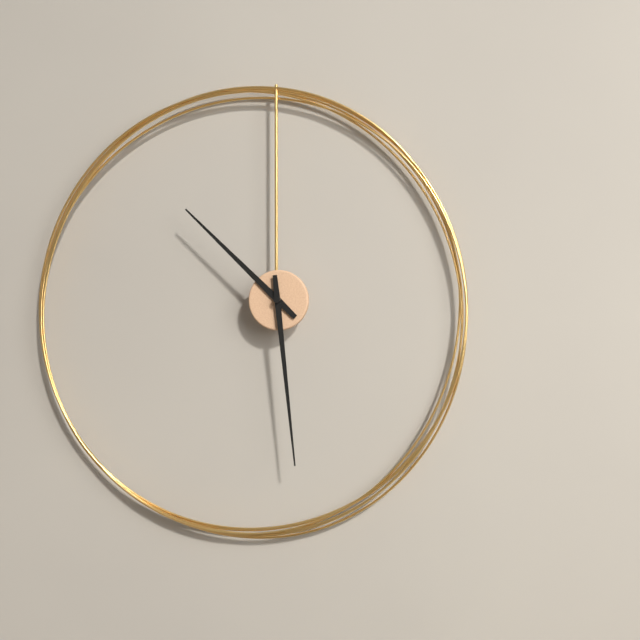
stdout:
10:29
